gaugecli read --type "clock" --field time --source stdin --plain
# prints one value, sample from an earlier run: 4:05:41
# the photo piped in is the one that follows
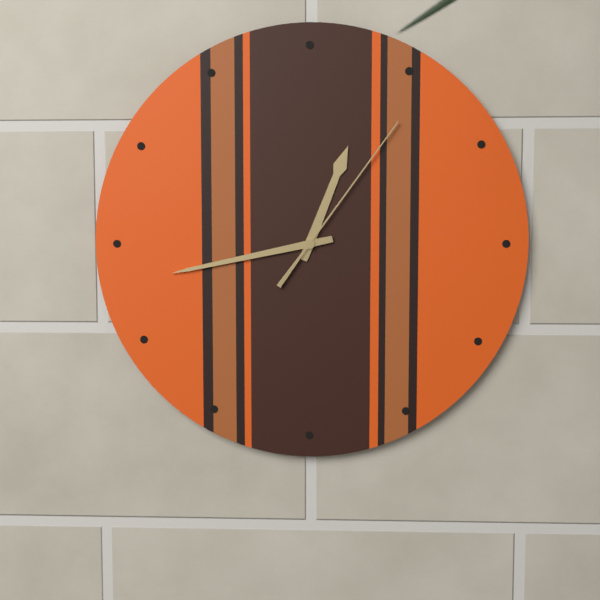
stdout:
12:43:06
